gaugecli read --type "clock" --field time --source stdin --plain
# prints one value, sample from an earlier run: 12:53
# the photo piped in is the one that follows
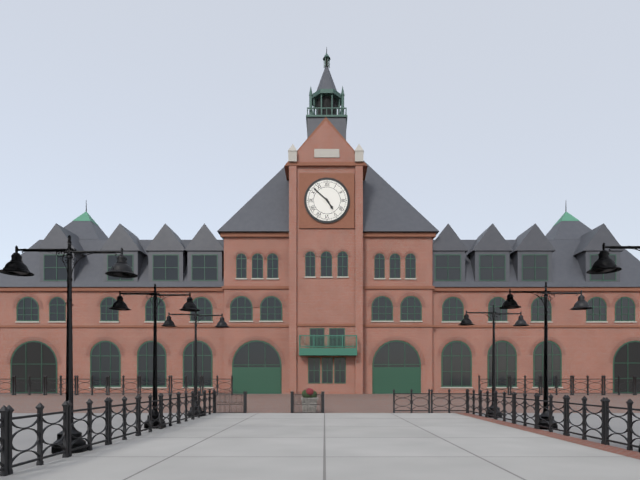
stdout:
4:52
